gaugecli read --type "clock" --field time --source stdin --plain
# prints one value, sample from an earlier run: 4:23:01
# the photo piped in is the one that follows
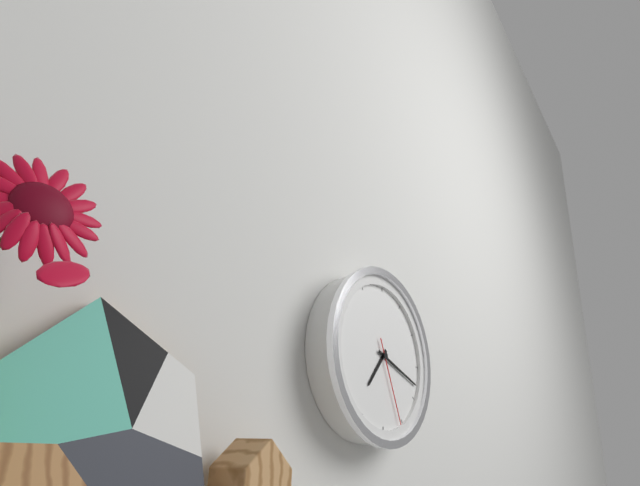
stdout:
7:18:26
